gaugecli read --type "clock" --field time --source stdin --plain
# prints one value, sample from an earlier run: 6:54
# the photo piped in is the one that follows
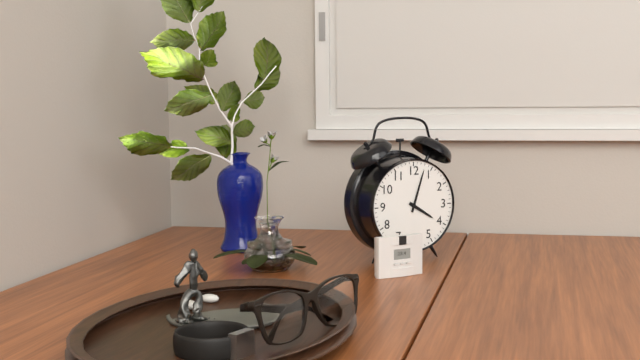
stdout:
4:03
